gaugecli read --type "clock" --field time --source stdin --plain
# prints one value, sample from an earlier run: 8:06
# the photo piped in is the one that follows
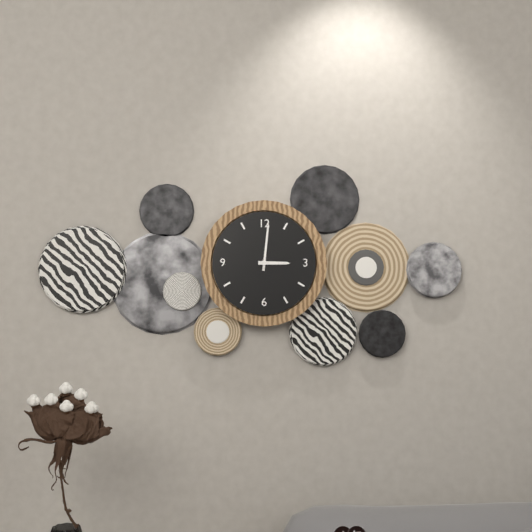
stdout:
3:01
